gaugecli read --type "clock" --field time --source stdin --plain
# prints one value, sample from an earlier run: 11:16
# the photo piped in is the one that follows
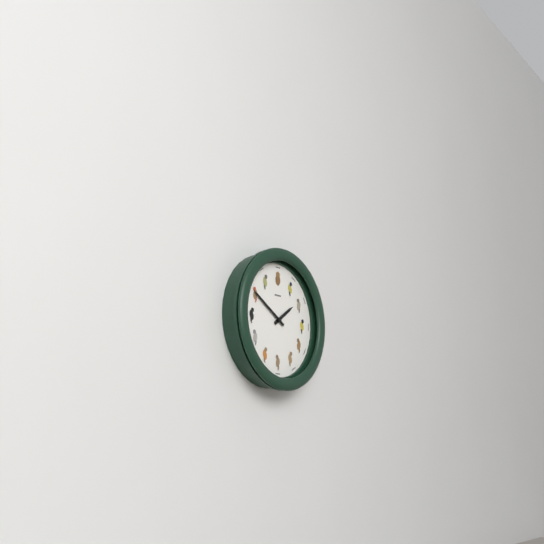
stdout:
1:50
